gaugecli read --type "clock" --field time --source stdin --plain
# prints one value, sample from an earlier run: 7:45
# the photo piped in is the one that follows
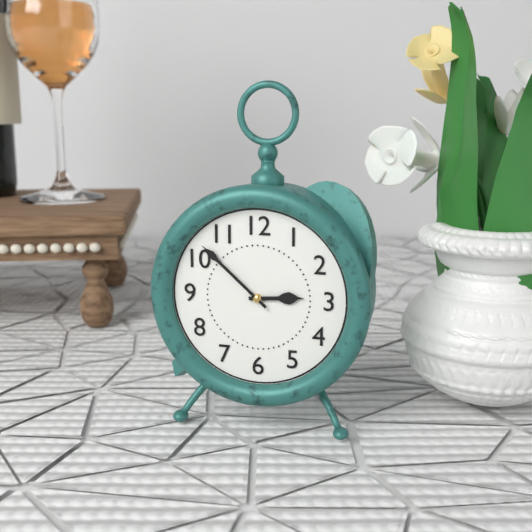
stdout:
2:52
